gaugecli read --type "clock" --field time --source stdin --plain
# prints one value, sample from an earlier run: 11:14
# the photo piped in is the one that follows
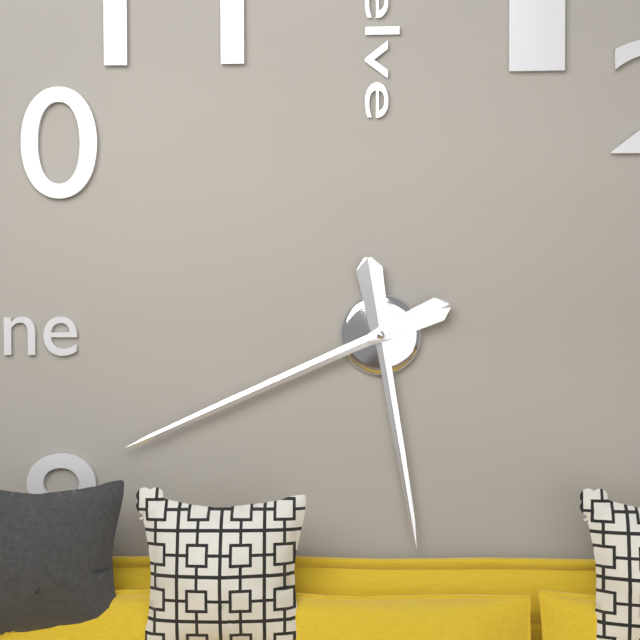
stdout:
5:41
